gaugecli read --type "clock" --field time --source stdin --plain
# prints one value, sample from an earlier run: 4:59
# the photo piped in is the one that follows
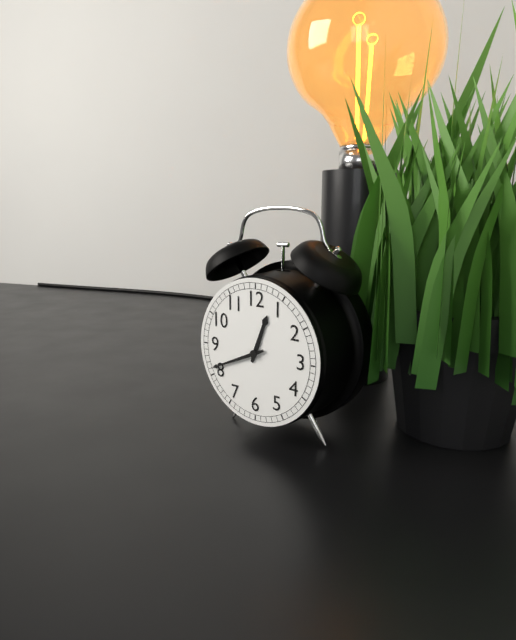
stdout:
12:41
